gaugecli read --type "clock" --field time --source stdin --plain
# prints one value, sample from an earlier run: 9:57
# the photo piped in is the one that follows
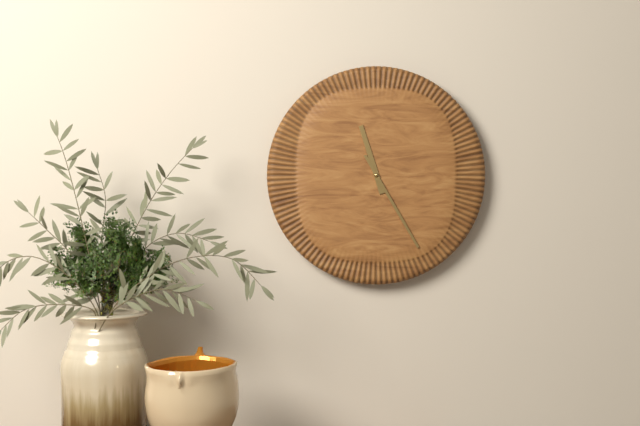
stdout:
11:25
